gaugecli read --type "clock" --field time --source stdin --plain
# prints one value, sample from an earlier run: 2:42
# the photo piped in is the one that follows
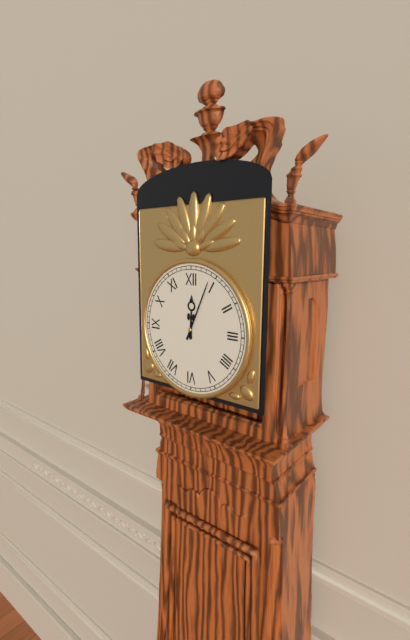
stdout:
12:04
